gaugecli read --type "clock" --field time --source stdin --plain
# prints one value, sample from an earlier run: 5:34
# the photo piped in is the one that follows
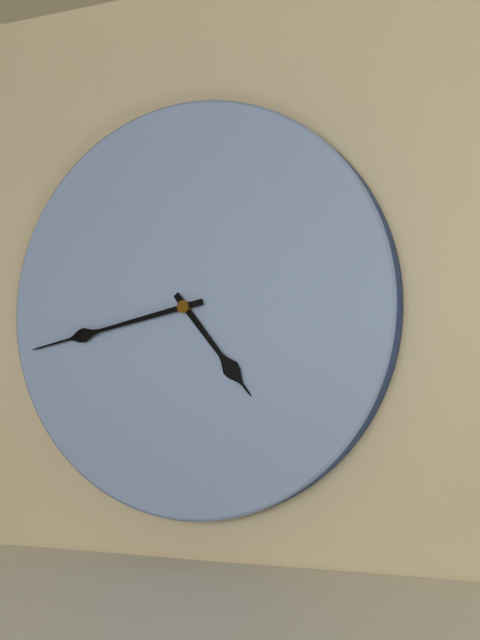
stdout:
4:43
